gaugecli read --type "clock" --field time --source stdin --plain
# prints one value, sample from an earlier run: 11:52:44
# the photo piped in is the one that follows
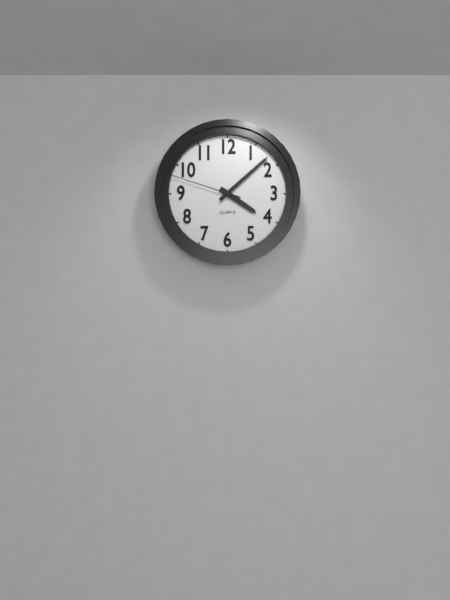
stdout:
4:08:48
